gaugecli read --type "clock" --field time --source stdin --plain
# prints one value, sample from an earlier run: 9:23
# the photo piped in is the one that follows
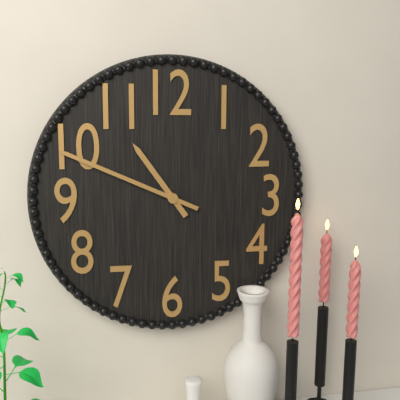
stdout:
10:49
